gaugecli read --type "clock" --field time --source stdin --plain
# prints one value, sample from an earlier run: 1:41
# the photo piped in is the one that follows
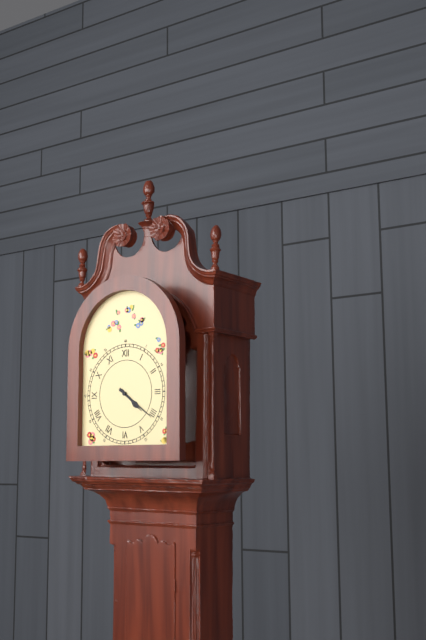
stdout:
4:21
